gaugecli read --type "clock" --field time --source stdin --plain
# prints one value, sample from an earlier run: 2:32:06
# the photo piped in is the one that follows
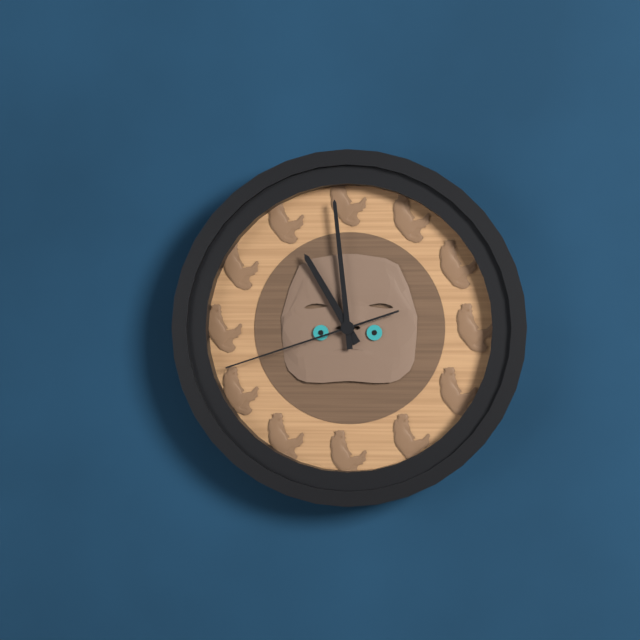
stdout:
10:59:42
